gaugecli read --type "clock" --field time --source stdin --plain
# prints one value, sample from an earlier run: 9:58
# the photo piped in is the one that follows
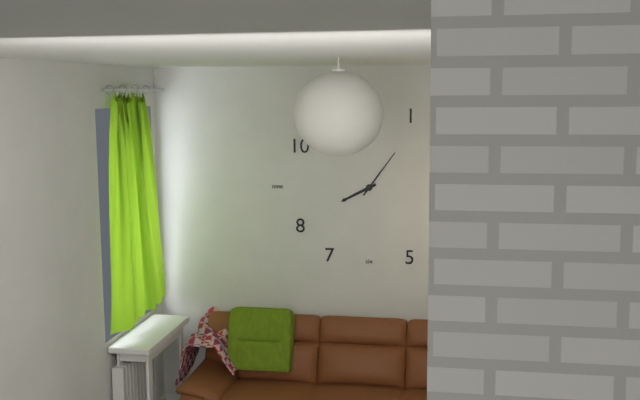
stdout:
8:06
